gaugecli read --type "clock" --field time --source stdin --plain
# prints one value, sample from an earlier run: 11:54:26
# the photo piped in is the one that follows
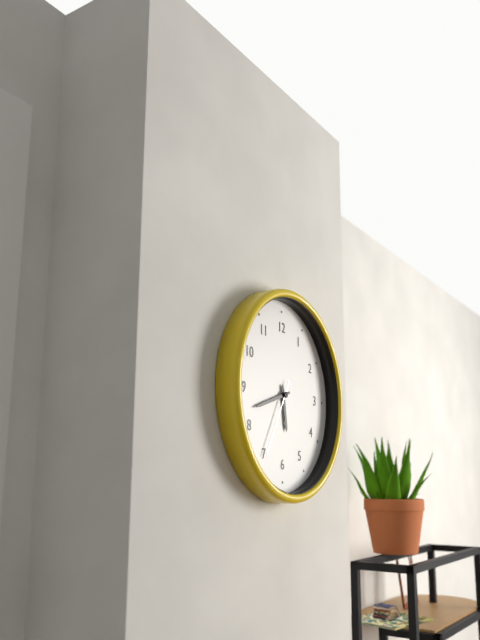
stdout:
5:42:35
